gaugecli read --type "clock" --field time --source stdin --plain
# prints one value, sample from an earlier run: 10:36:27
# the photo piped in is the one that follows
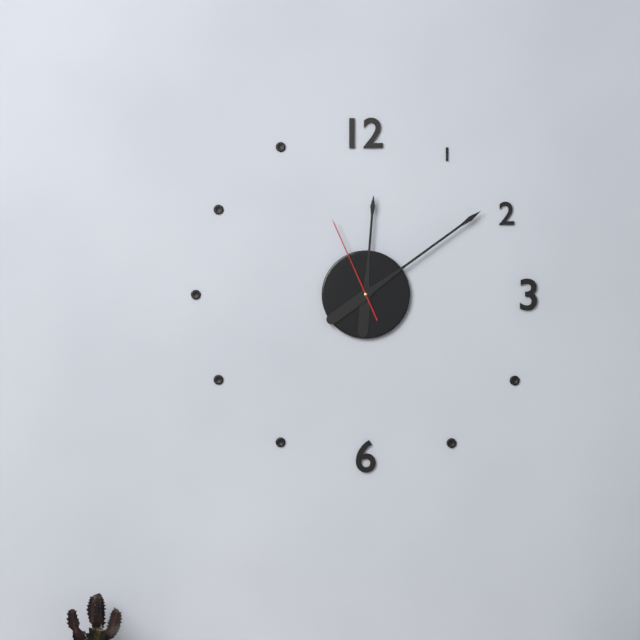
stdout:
12:09:56
